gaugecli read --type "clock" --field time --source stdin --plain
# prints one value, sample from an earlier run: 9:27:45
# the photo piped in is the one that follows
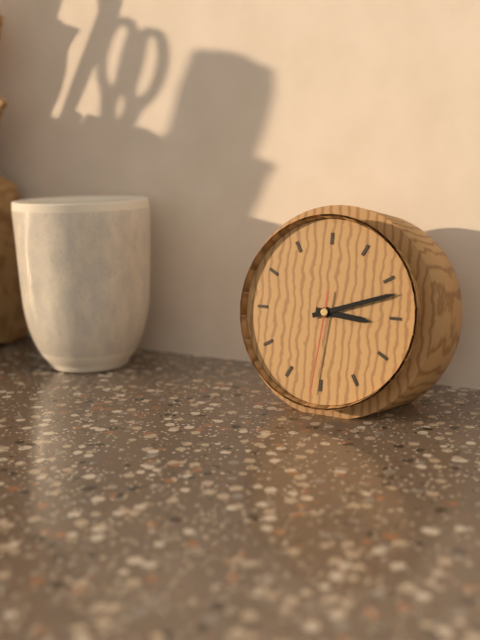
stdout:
3:12:31
